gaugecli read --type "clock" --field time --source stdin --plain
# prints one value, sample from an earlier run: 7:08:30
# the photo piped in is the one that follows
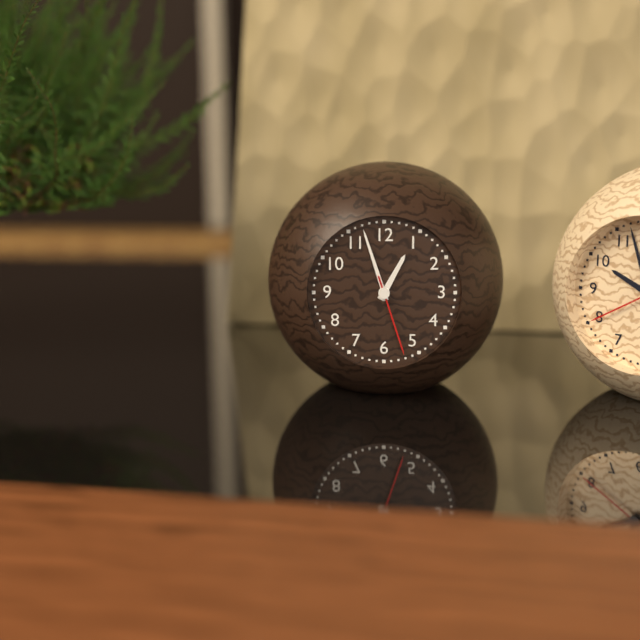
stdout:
12:57:27
